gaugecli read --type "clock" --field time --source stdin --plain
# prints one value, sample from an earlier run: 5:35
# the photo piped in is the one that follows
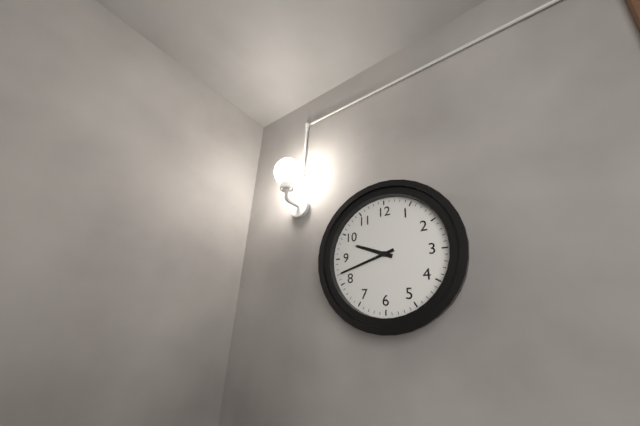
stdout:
9:42
